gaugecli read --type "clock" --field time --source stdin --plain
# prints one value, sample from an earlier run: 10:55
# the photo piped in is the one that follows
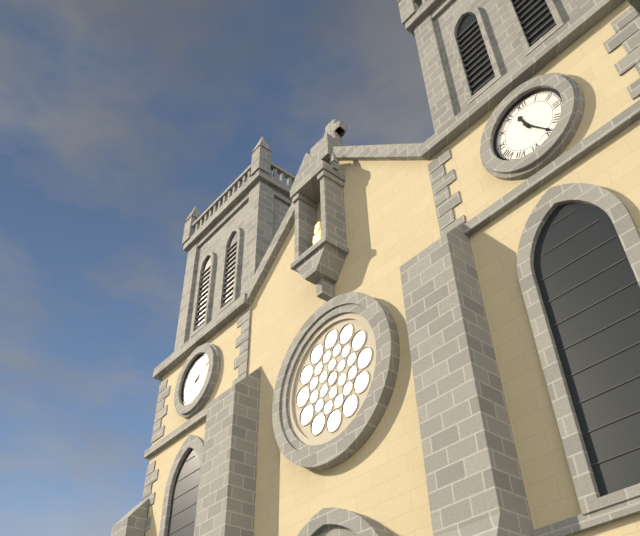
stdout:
11:24
